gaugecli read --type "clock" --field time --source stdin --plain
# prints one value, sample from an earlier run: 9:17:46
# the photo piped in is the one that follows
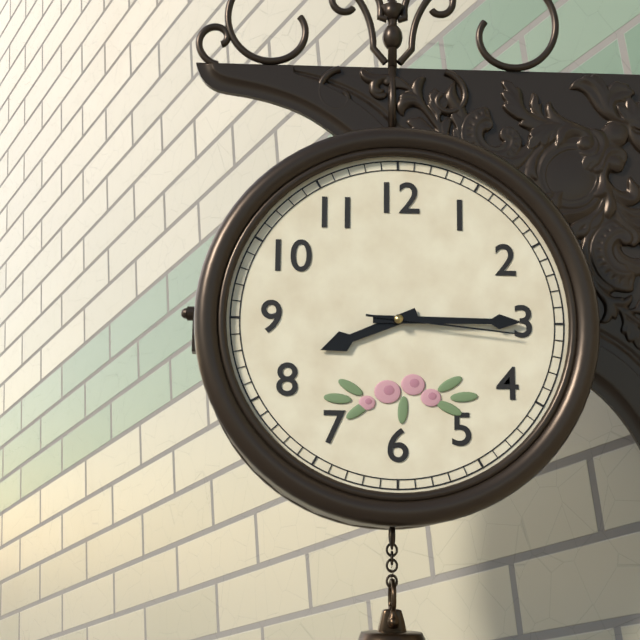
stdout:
8:15:16
